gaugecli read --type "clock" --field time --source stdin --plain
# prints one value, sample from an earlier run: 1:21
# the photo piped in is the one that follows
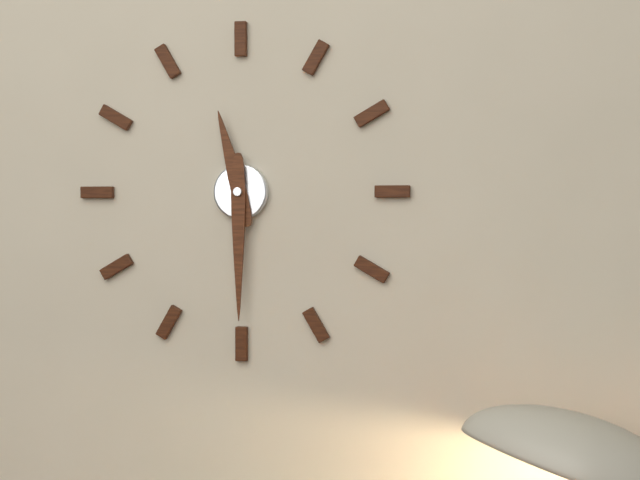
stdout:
11:30
